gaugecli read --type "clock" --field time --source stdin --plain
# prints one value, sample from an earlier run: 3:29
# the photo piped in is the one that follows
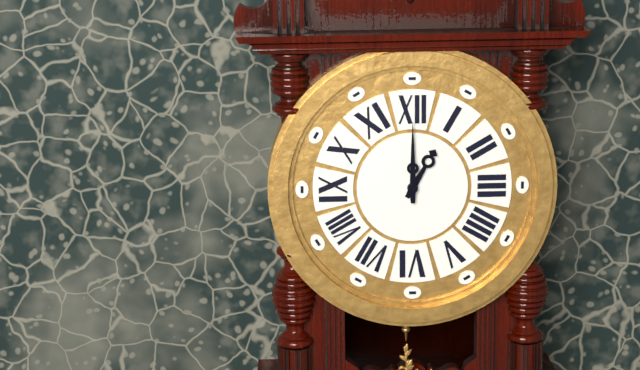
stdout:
1:00
